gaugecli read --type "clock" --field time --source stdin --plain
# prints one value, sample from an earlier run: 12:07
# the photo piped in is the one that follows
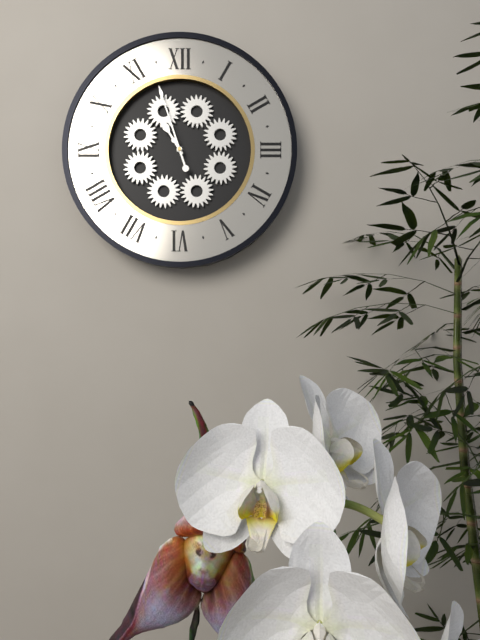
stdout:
10:57
